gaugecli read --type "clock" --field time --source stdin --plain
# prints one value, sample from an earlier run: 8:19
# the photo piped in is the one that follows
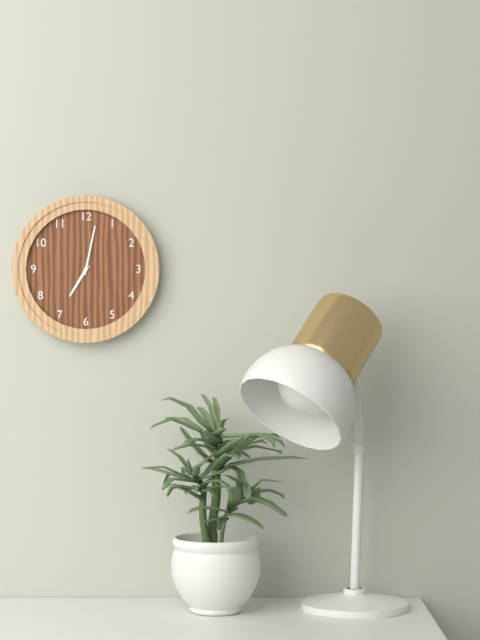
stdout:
7:02
